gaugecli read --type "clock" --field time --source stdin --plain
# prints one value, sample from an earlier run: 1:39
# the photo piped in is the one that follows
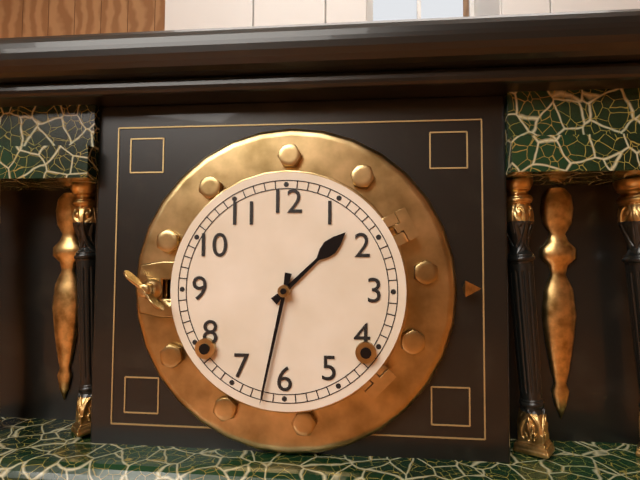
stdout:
1:32
